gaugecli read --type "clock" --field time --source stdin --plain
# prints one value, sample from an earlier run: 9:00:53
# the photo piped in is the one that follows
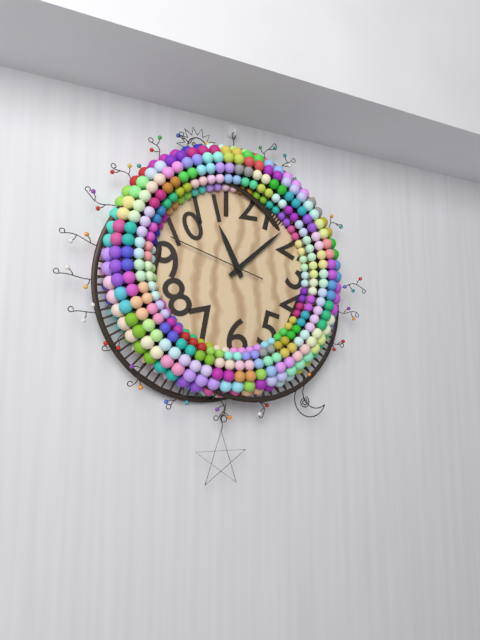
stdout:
11:08:48
